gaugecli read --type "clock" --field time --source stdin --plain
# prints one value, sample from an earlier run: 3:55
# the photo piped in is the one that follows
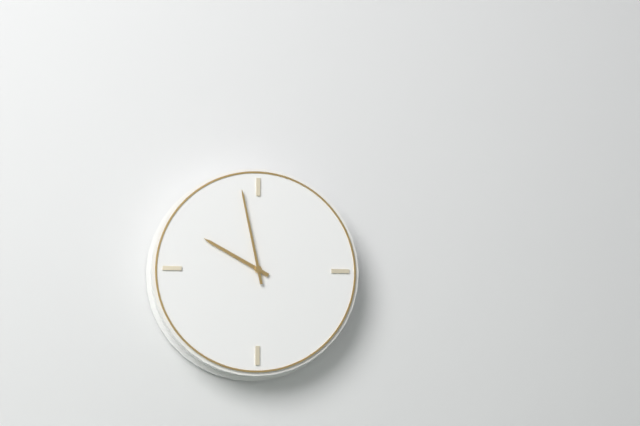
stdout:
9:58
